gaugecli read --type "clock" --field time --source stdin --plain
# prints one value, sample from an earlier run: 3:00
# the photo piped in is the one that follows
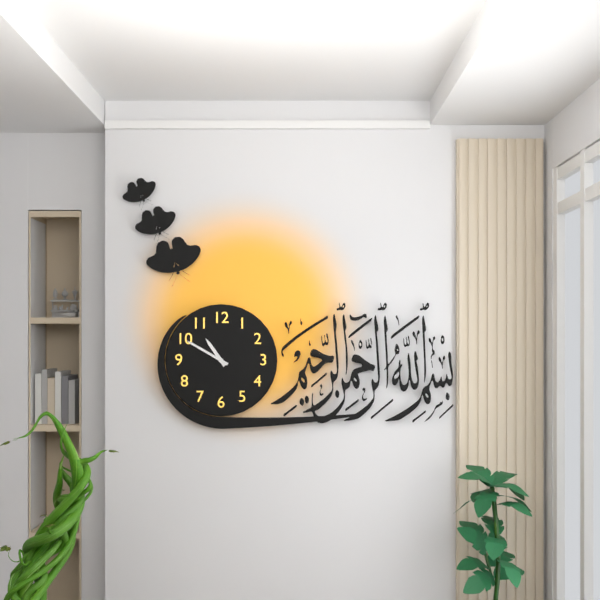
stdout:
10:50
